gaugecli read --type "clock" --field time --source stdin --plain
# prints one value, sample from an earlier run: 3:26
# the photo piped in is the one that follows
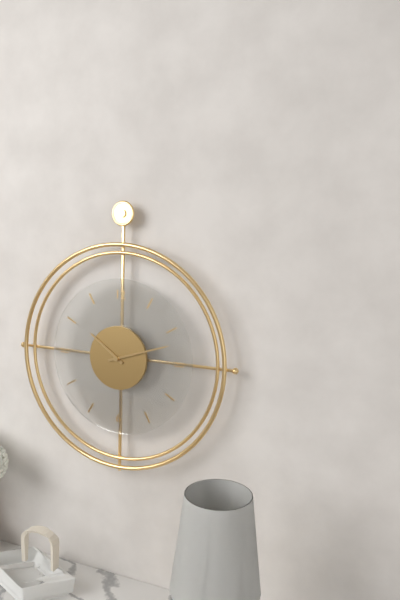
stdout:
10:12
